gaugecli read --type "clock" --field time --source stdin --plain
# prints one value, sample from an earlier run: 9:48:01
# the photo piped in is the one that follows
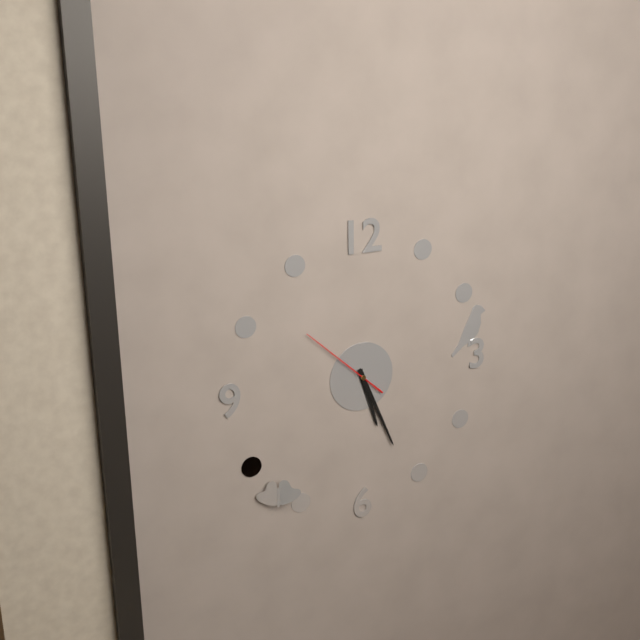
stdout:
5:26:52
